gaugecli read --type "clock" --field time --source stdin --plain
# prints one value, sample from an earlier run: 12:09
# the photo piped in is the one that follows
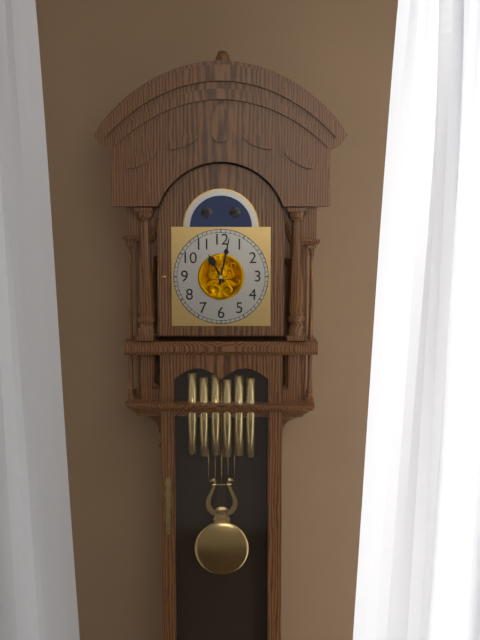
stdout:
11:02
